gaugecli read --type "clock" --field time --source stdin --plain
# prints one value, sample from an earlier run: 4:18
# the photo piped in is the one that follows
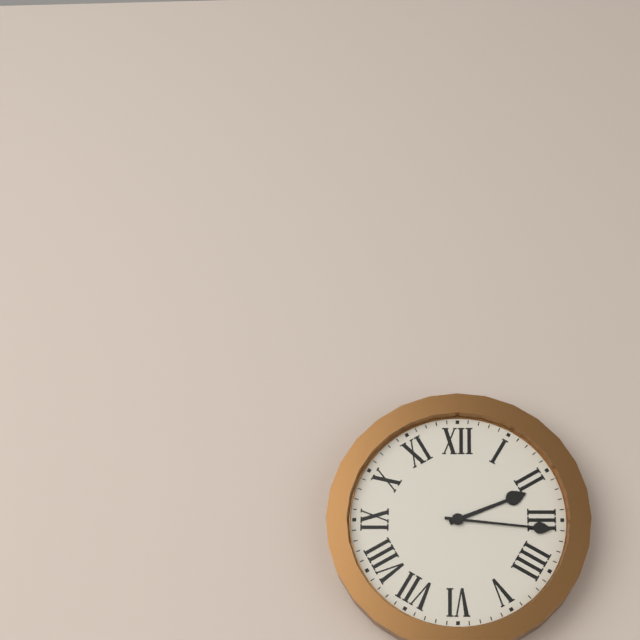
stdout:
2:16
